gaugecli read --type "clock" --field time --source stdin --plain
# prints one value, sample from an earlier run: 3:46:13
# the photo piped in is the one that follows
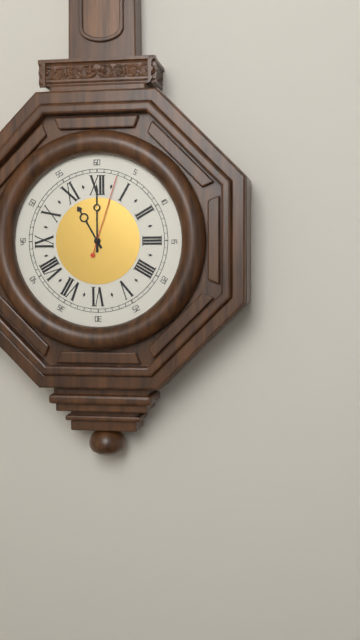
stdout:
11:00:03
